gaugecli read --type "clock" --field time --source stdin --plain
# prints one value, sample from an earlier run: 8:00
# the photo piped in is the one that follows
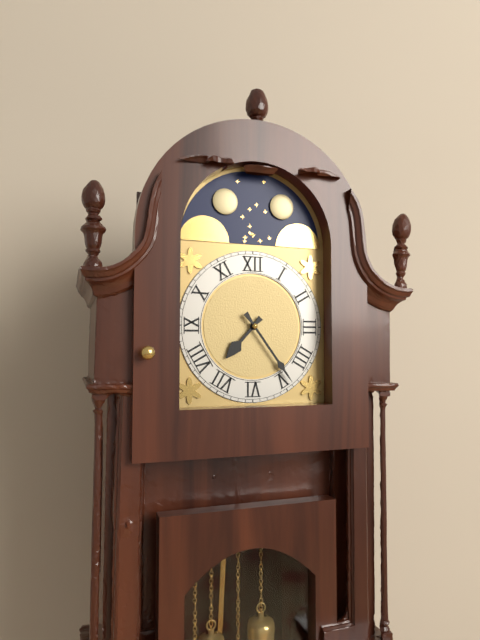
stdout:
7:24
